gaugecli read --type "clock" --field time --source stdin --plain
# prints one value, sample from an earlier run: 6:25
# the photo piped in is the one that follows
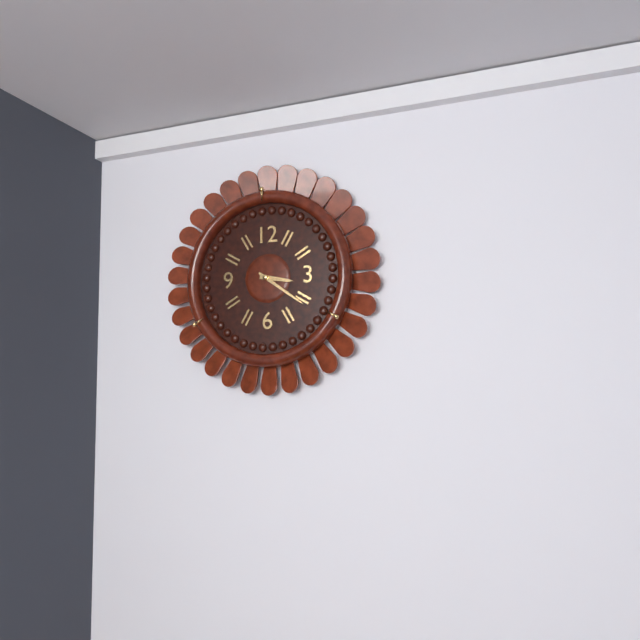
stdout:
3:21
